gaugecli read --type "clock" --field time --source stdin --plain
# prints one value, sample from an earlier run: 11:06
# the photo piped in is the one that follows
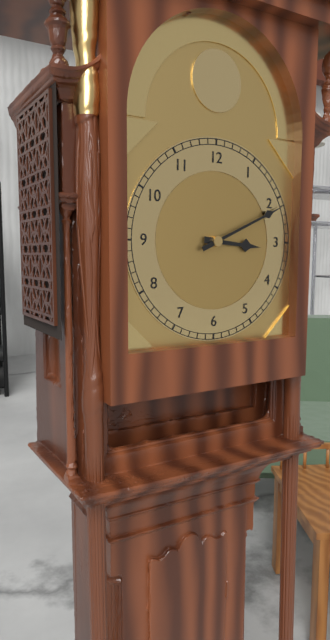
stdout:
3:11
